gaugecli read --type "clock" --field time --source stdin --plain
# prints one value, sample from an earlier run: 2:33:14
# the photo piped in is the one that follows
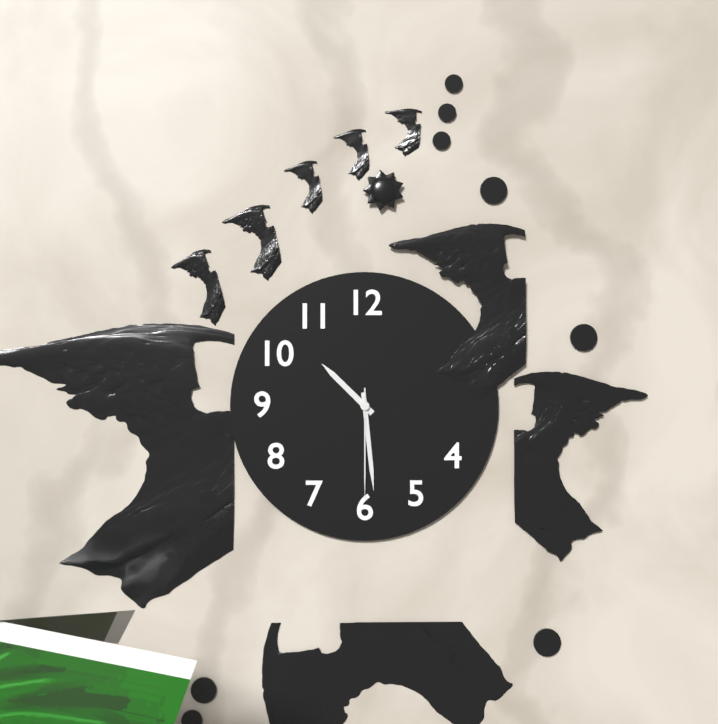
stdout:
10:29:30
